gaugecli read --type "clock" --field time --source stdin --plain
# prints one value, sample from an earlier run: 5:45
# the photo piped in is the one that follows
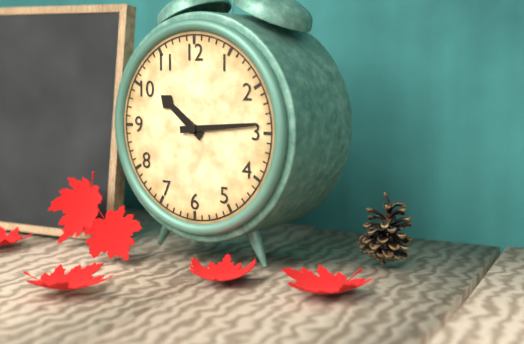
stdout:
10:14
